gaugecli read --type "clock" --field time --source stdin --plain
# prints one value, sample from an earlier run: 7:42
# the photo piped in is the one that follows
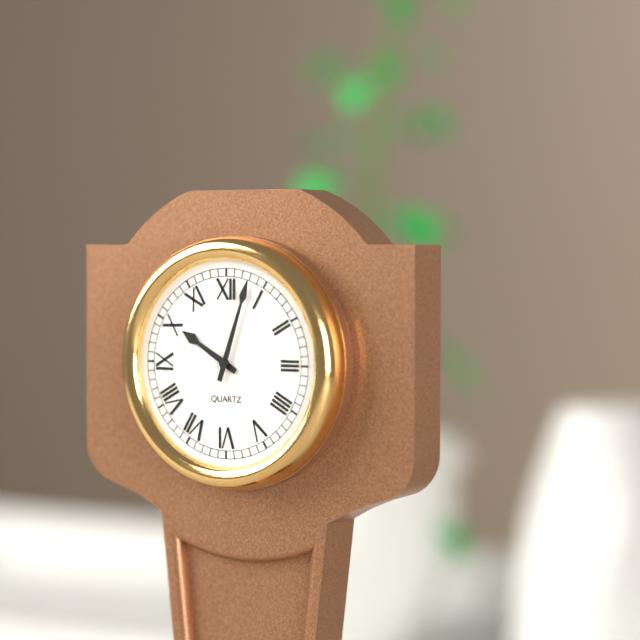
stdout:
10:03
